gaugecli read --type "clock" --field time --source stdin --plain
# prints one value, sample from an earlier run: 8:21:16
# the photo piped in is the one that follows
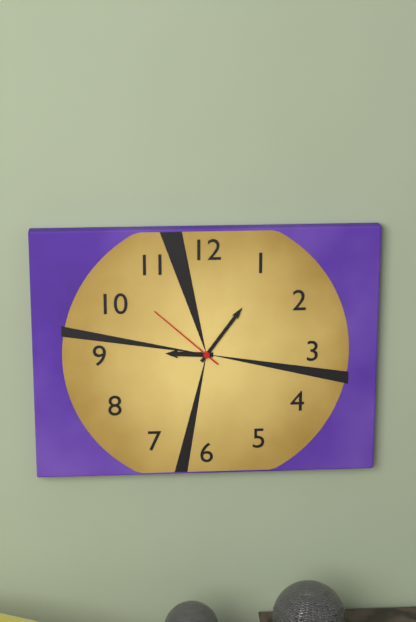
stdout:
9:06:52
